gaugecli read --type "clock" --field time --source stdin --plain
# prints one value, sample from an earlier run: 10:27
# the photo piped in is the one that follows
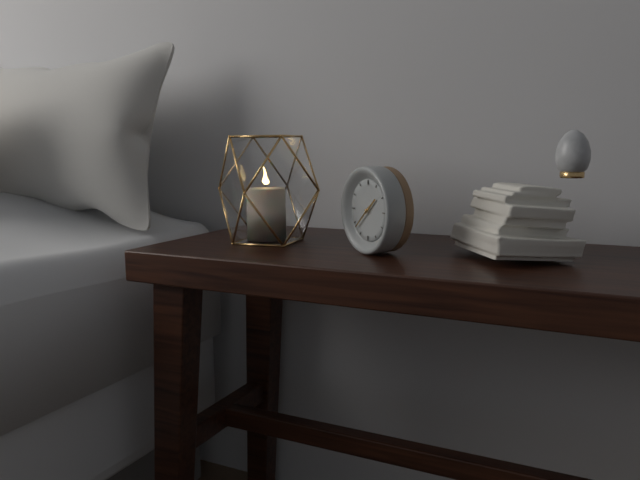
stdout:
1:38
